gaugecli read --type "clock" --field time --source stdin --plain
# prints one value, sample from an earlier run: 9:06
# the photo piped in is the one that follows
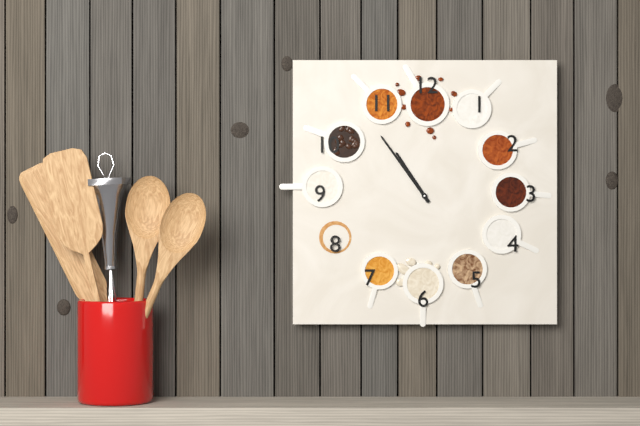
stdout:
10:54
